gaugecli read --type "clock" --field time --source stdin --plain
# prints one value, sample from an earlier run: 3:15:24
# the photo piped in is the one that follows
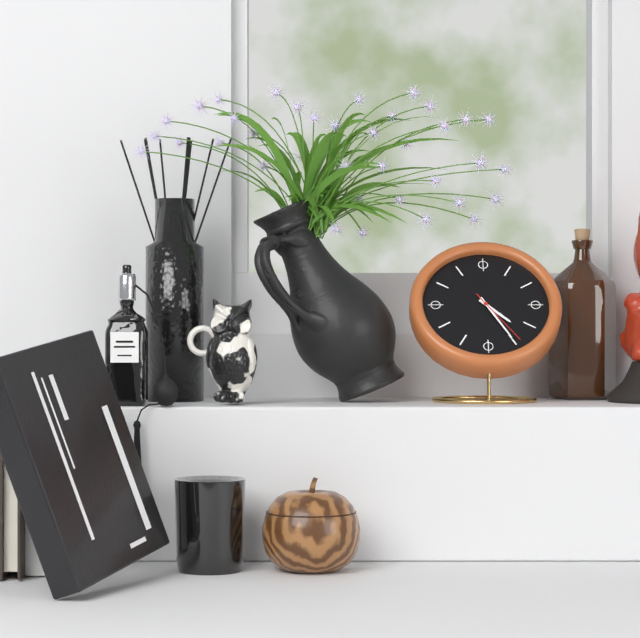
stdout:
4:25:24
